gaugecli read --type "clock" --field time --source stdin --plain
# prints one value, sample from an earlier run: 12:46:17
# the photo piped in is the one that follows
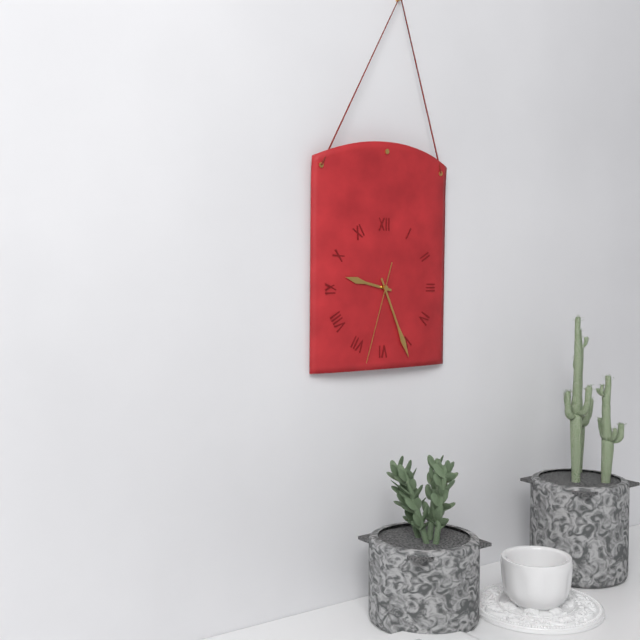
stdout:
9:26:33
